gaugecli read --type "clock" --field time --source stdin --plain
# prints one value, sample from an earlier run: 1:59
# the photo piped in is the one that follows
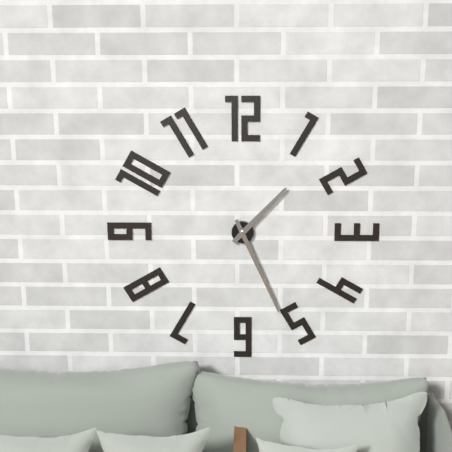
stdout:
1:26
